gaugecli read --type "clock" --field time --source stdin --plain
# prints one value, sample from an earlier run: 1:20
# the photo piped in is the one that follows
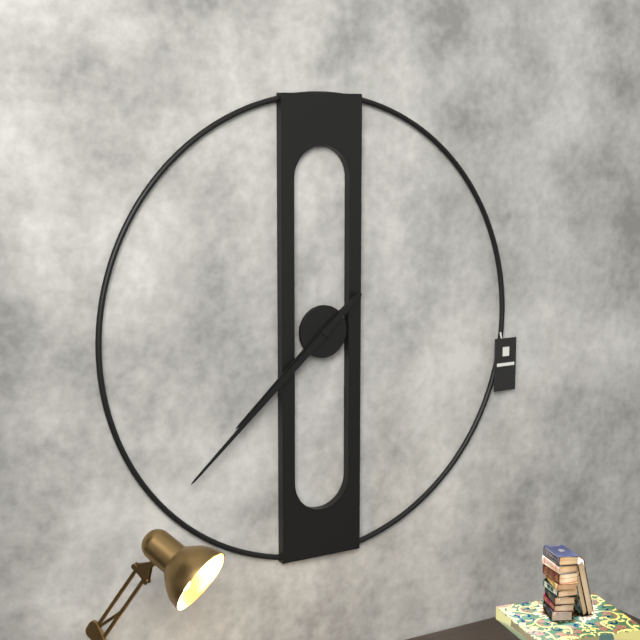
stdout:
7:38
